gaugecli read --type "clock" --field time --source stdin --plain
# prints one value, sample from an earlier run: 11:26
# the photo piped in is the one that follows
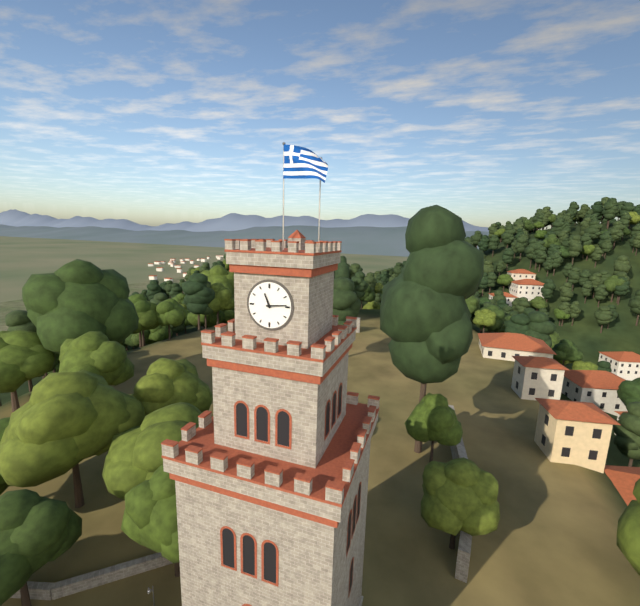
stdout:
11:14
